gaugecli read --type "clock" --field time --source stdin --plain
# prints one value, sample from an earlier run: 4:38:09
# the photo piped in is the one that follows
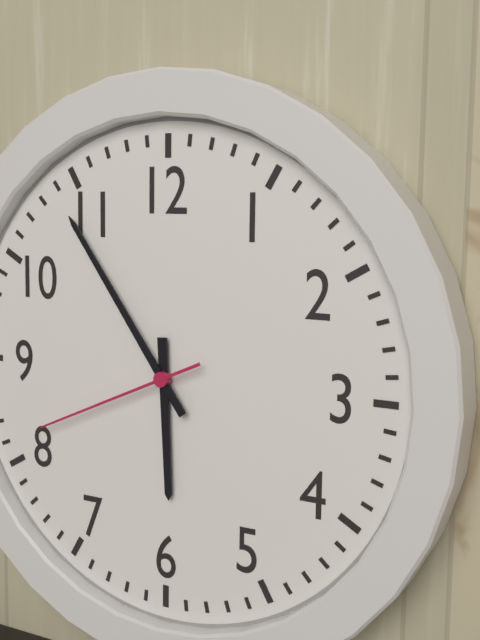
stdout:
5:54:41
